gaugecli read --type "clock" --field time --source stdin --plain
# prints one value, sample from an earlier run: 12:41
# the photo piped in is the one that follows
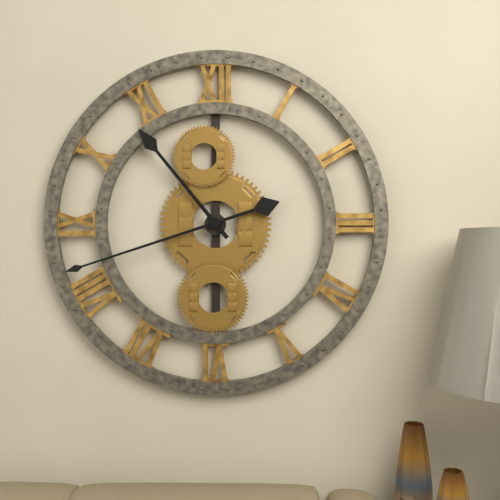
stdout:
10:42
